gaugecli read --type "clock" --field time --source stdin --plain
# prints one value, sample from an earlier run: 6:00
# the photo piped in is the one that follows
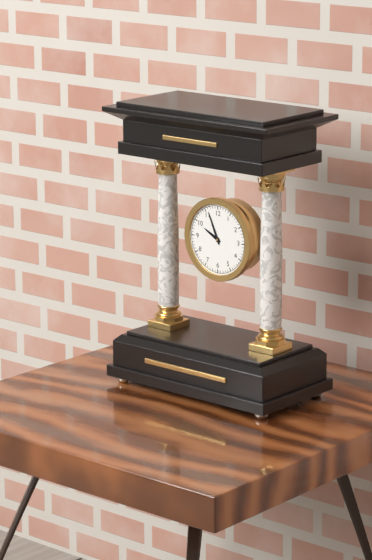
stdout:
9:56
